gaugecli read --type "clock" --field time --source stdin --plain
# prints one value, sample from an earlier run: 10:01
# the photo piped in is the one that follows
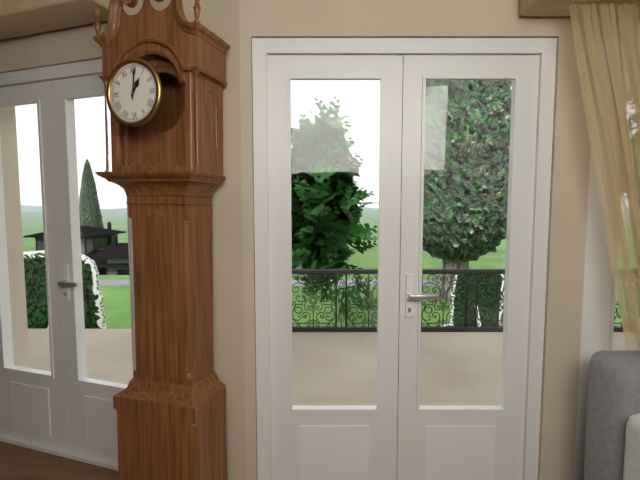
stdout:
1:01
